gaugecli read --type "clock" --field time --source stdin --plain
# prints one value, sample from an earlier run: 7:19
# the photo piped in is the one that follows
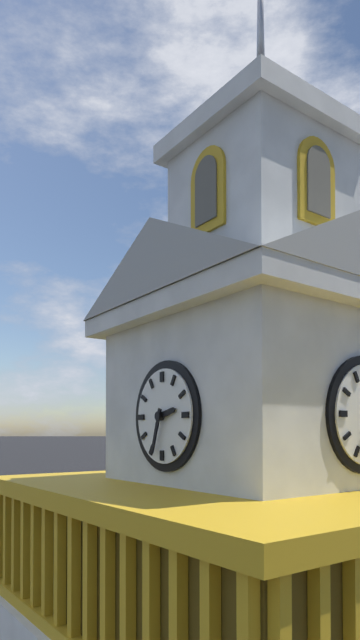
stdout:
2:33
